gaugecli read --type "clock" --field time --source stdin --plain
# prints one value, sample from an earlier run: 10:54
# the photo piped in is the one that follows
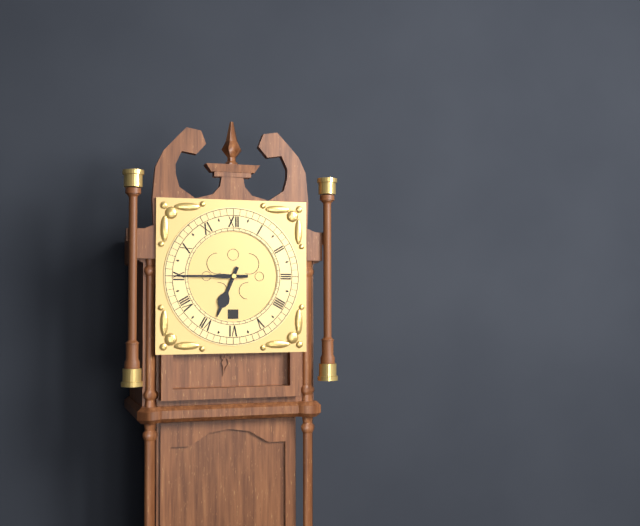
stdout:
6:45
